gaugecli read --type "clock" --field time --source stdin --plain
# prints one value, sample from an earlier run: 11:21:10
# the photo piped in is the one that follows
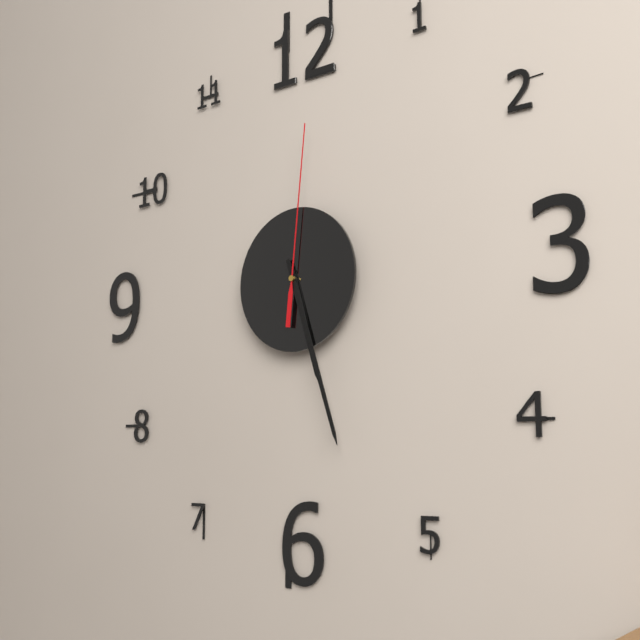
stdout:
5:27:01
